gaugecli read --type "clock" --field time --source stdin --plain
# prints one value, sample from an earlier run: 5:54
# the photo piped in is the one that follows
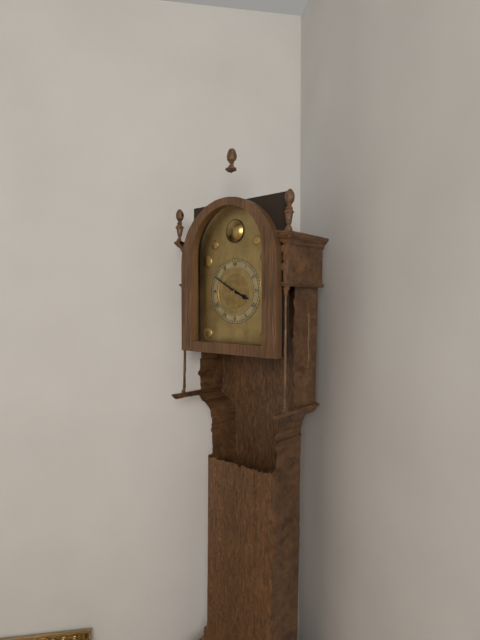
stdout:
3:50
